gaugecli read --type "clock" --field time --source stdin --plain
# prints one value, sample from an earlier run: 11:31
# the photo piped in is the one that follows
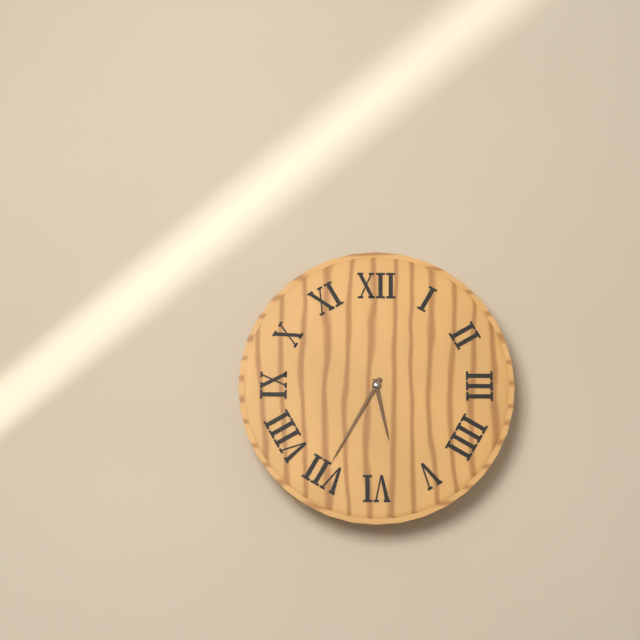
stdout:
5:35
